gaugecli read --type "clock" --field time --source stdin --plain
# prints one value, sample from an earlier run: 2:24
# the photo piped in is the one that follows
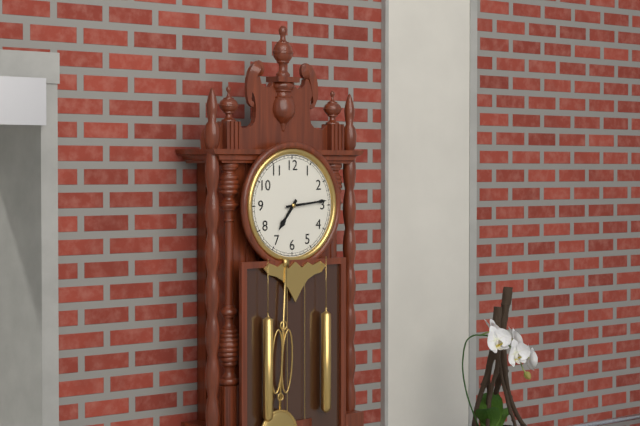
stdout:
7:14
